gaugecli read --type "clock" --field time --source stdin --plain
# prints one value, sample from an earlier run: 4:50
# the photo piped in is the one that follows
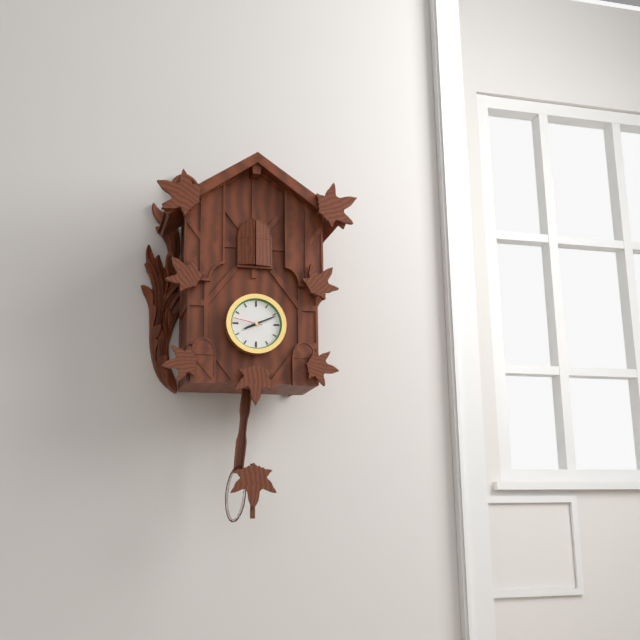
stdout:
8:11
